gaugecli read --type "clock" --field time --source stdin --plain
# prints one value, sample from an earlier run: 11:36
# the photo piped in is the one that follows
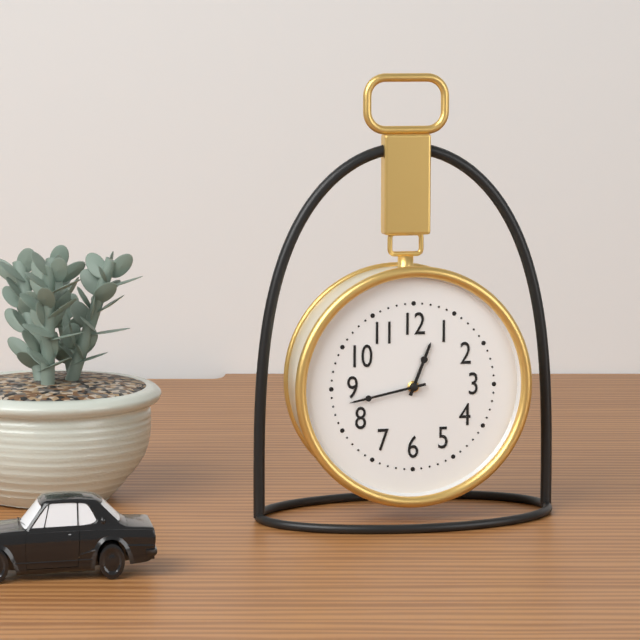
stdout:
12:43
